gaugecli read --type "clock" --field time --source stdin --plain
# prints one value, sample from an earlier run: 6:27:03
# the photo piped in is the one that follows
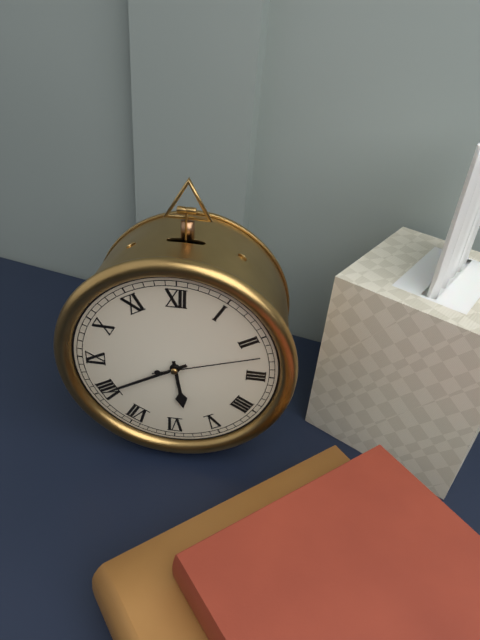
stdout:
5:40:12
